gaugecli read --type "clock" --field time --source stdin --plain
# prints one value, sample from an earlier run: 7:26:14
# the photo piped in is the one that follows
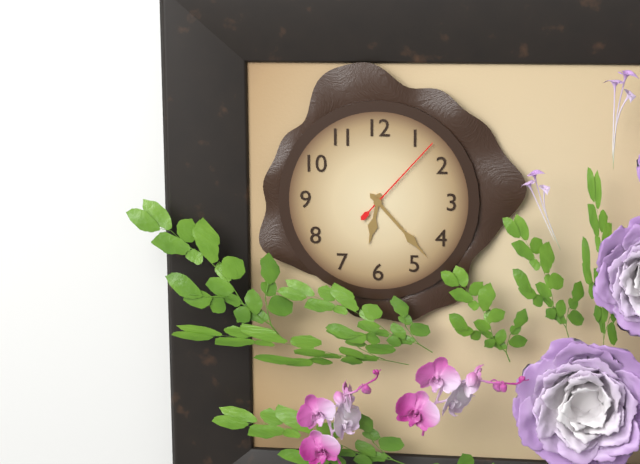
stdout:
6:23:07
